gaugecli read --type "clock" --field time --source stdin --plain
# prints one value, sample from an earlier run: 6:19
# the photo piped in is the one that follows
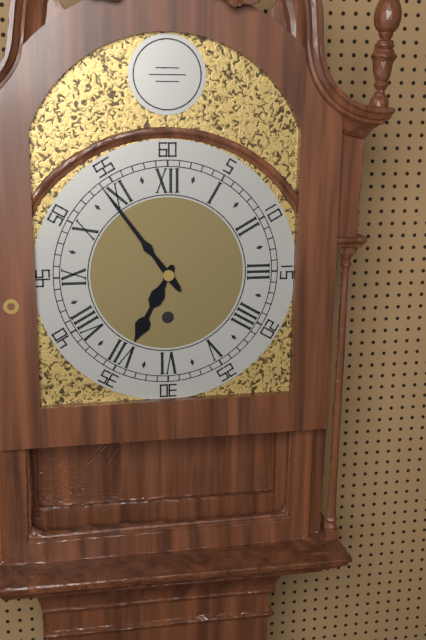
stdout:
6:54
